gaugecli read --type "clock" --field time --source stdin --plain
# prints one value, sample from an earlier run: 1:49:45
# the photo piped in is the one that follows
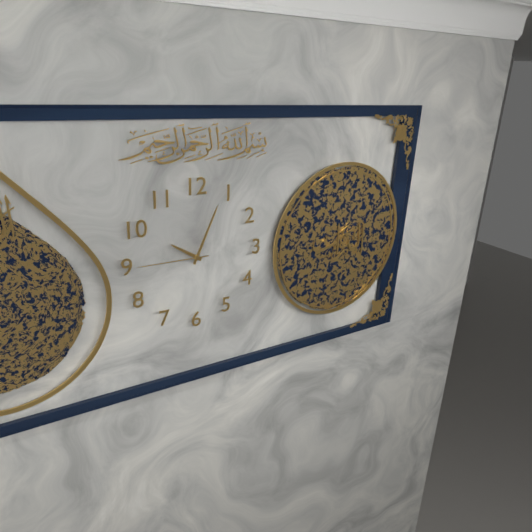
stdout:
10:04:45
